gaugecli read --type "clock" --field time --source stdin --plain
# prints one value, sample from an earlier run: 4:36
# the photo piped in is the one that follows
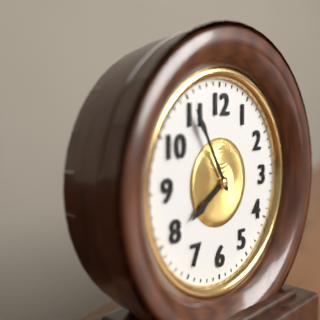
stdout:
7:55
